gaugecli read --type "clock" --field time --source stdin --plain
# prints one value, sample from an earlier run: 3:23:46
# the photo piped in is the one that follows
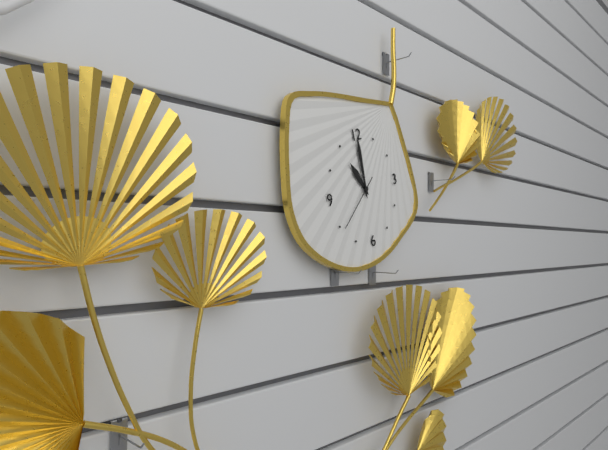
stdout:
11:00:39
